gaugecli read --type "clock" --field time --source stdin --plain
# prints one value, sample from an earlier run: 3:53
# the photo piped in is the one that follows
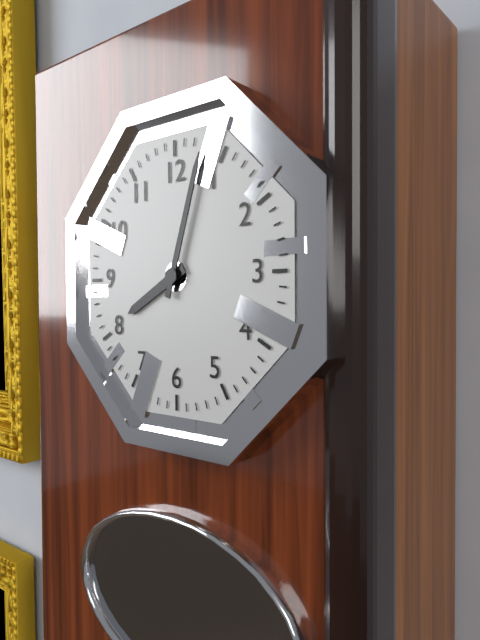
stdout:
8:03
